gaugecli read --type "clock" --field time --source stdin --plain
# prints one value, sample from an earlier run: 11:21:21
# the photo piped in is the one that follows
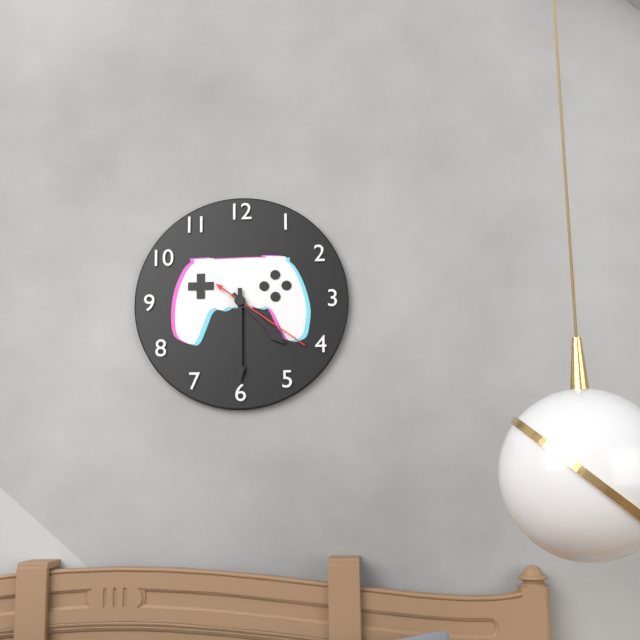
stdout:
4:30:21
